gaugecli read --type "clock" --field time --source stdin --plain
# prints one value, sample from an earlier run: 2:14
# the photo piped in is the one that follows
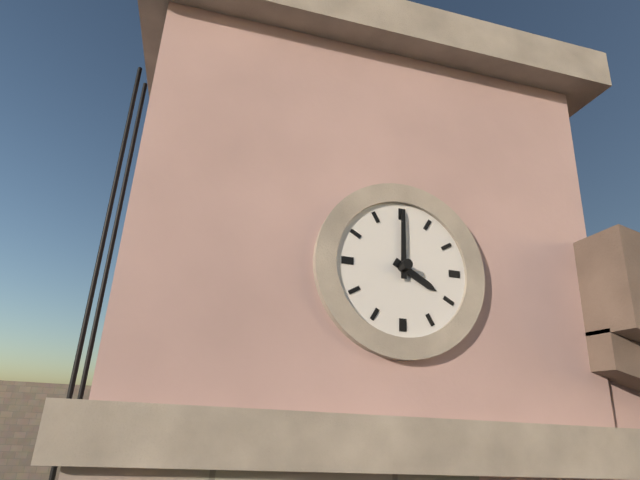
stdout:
4:00
